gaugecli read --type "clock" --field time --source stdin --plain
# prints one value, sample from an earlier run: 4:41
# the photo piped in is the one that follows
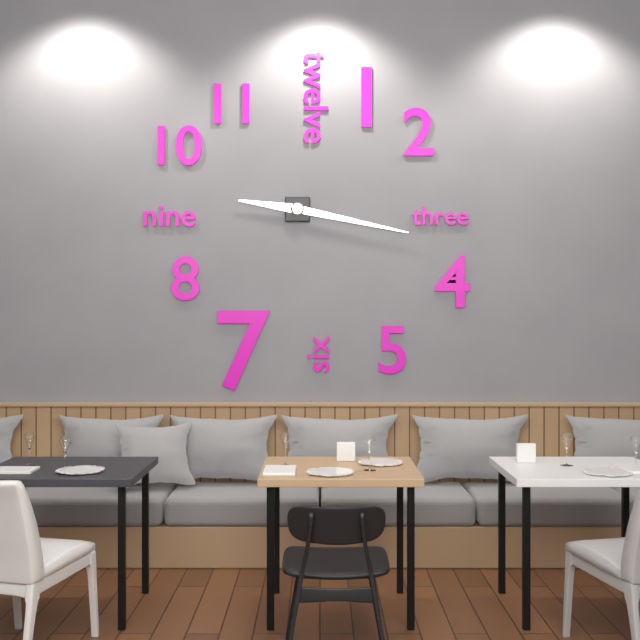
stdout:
9:17
